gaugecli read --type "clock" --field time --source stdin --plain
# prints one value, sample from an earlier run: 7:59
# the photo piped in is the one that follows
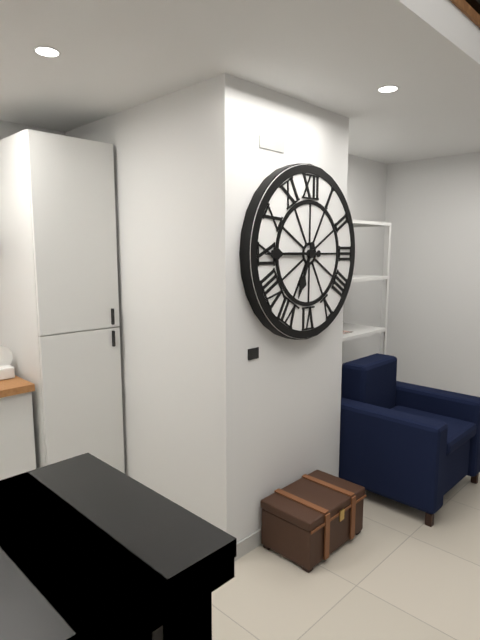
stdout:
6:45
